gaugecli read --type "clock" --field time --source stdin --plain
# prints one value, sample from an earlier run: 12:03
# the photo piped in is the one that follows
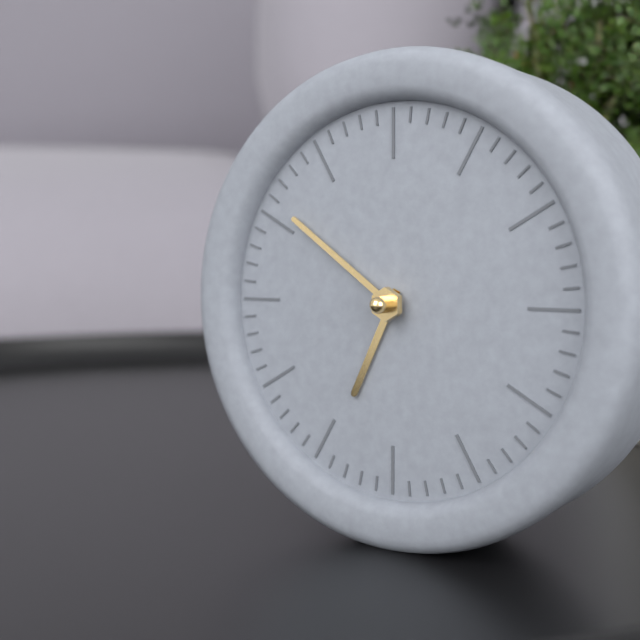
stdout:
6:51
